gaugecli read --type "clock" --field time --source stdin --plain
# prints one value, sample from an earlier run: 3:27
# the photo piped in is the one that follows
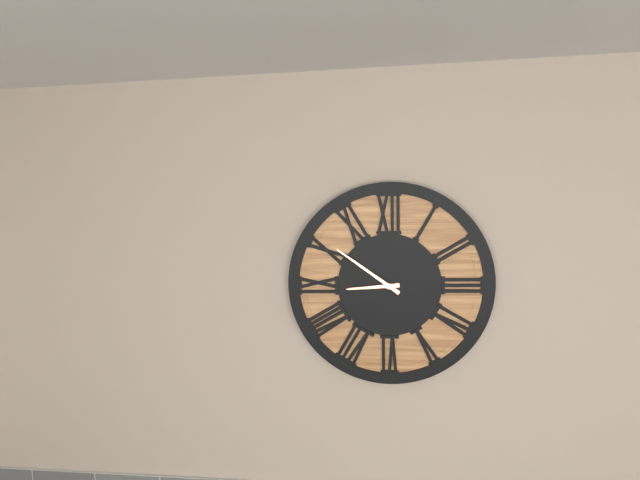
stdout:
8:51
